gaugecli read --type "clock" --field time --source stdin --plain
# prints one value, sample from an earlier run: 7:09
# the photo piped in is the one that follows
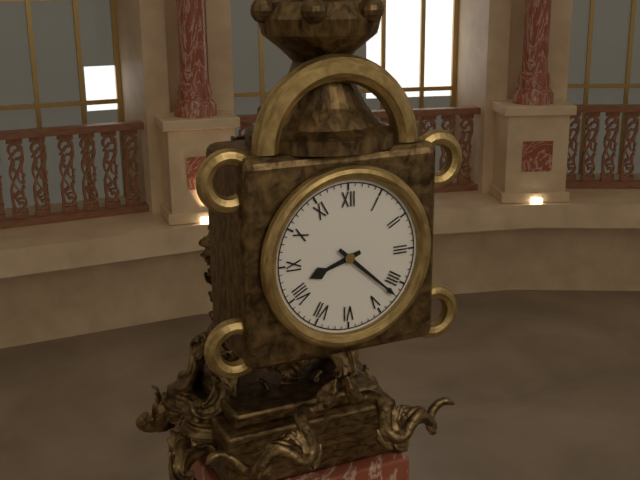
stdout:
8:22
